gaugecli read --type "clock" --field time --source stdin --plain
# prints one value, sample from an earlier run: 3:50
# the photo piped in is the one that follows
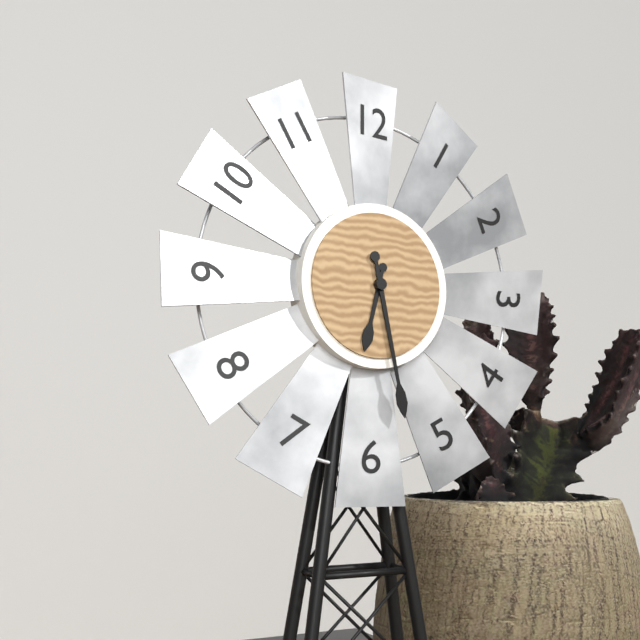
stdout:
6:28
